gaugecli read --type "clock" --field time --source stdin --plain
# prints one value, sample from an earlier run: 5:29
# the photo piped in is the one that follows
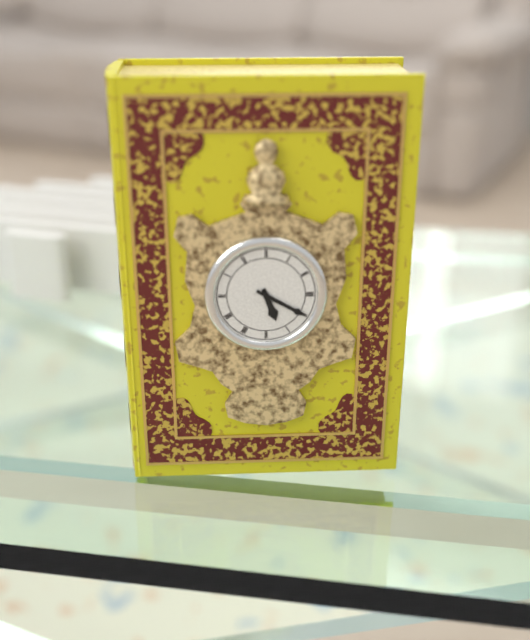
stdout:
5:20
